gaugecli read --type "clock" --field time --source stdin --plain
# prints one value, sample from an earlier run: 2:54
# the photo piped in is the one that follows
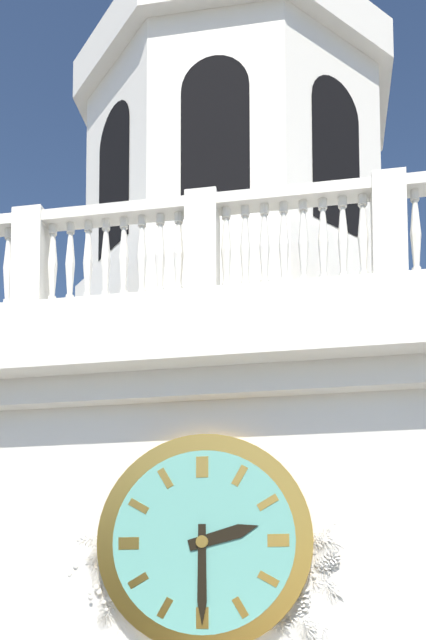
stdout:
2:30
